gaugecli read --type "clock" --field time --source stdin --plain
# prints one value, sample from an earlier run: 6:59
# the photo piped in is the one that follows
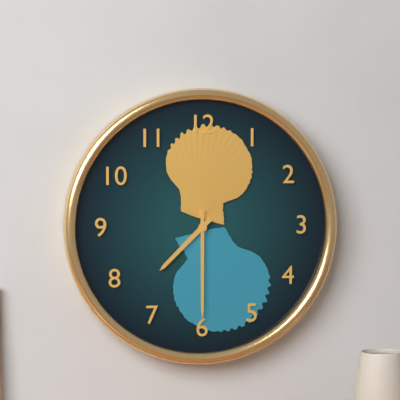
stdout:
7:30
